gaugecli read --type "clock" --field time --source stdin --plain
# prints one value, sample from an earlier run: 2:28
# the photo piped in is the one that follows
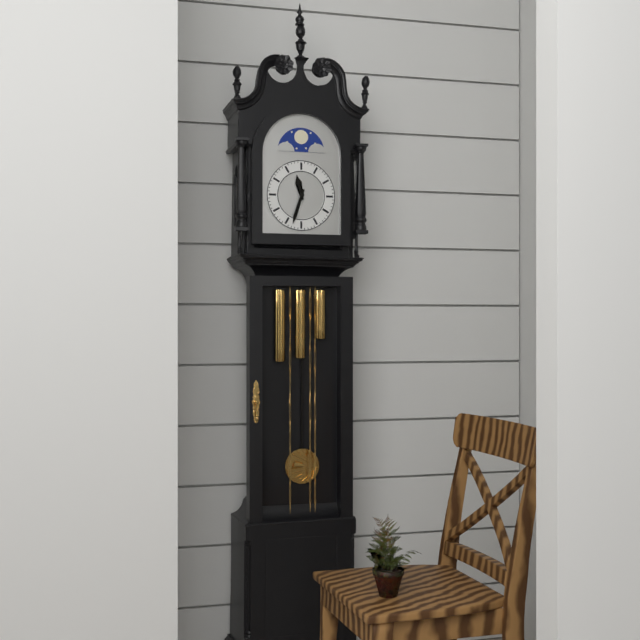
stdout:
11:33
